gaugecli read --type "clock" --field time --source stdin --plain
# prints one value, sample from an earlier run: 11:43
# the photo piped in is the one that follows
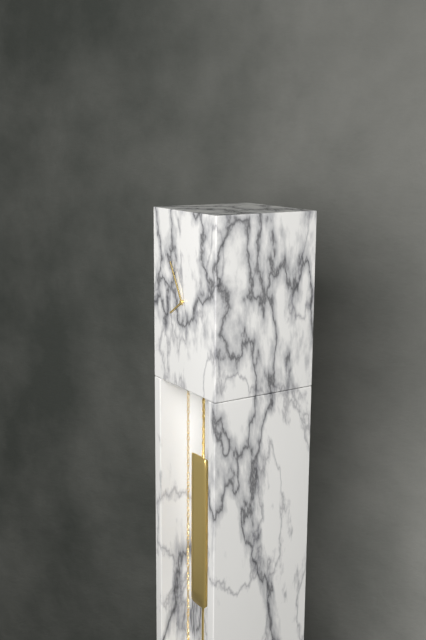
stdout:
7:55
